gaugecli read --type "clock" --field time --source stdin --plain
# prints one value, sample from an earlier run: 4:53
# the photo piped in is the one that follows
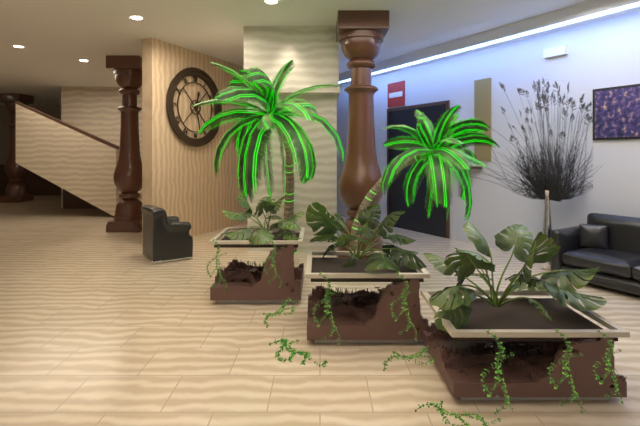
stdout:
12:28
